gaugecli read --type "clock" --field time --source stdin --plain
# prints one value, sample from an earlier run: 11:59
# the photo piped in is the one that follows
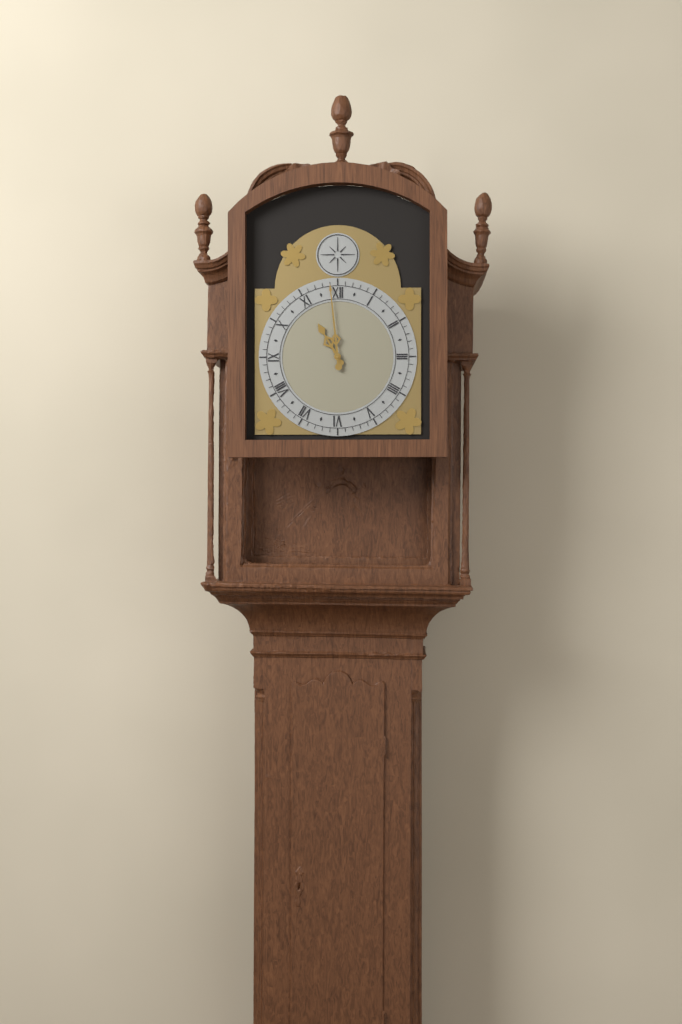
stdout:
10:59
